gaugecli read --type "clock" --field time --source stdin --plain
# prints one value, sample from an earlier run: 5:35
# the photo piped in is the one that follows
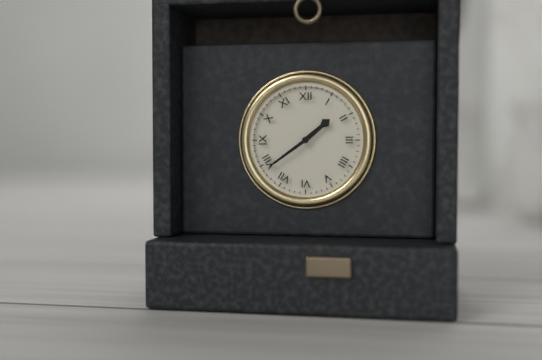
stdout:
1:39
